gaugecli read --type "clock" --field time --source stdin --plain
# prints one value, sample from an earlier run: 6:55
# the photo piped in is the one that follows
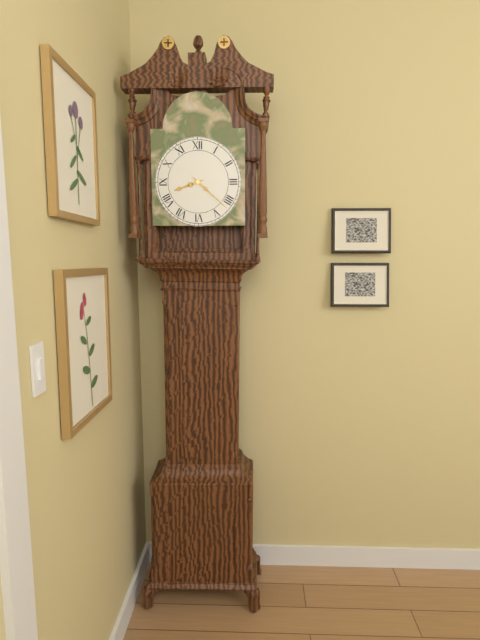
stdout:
8:22
